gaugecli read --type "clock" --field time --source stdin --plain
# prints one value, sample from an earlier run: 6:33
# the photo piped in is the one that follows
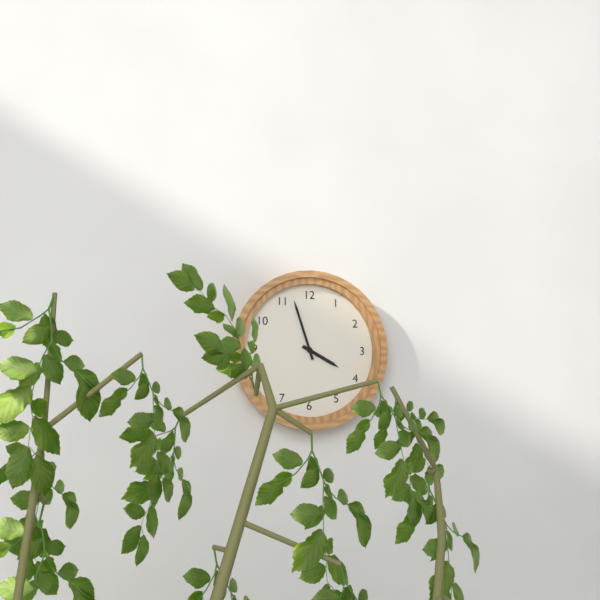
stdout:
3:57
